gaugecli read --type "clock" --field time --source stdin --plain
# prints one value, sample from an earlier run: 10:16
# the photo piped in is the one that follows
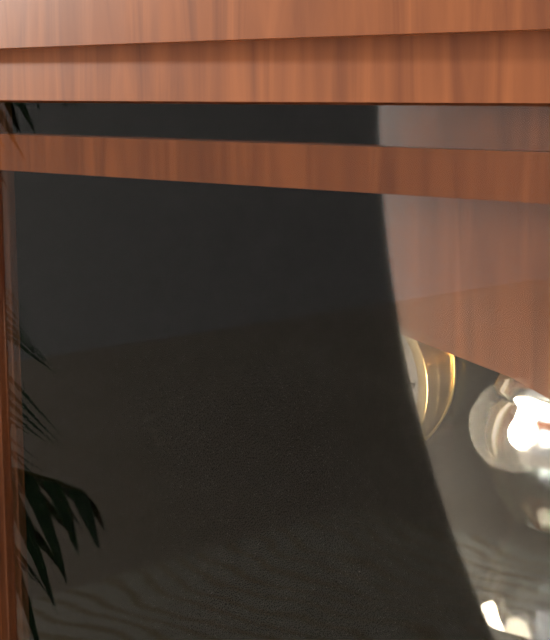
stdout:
11:41
